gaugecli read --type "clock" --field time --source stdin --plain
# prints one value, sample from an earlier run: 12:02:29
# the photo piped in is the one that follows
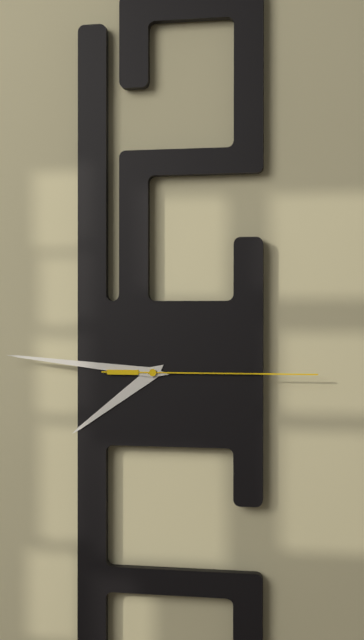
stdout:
7:46:15
